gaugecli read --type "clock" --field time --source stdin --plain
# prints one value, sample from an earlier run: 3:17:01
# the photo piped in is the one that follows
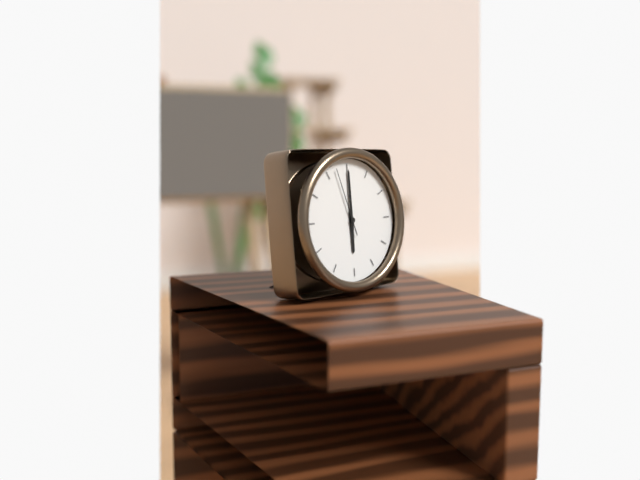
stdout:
6:00:57
